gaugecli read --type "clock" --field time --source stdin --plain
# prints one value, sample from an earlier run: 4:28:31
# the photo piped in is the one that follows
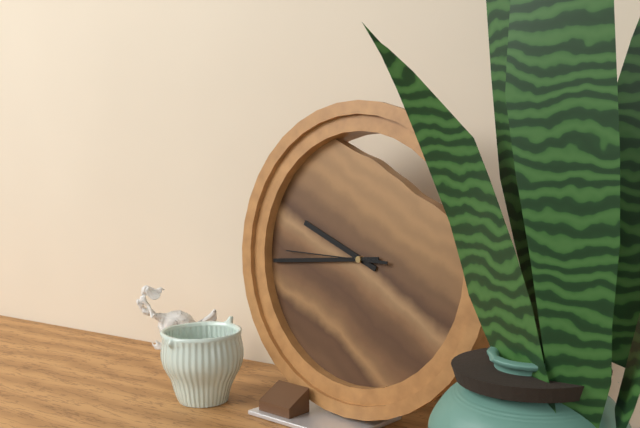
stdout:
9:44:45
